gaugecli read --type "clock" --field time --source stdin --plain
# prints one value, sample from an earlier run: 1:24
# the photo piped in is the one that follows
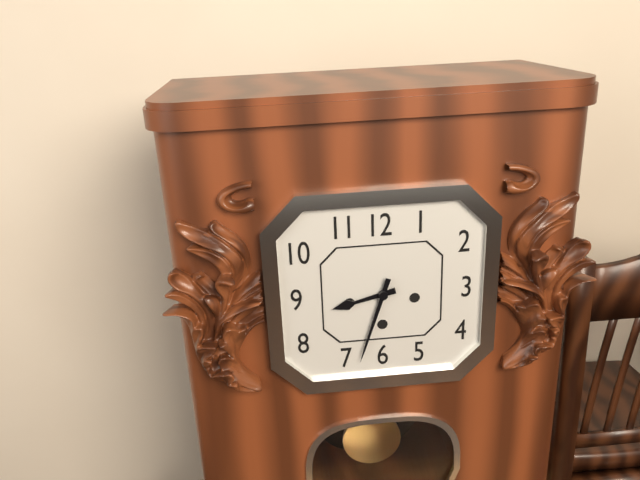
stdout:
8:33
